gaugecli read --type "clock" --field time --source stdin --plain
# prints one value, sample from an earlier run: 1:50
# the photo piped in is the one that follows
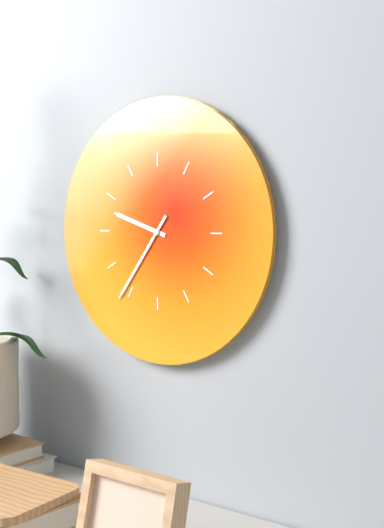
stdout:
9:36
